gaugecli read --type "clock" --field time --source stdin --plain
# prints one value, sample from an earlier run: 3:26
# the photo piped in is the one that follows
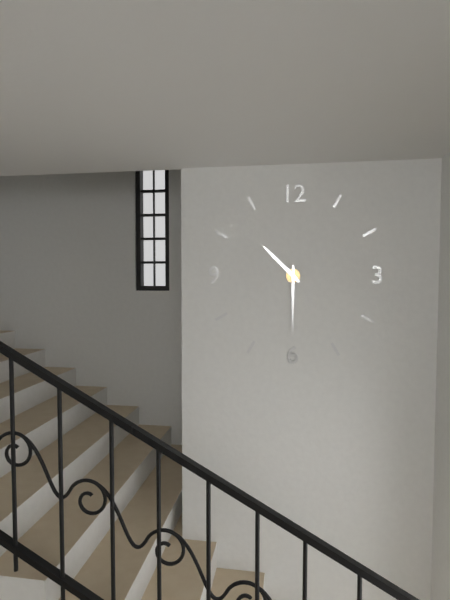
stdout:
10:30
